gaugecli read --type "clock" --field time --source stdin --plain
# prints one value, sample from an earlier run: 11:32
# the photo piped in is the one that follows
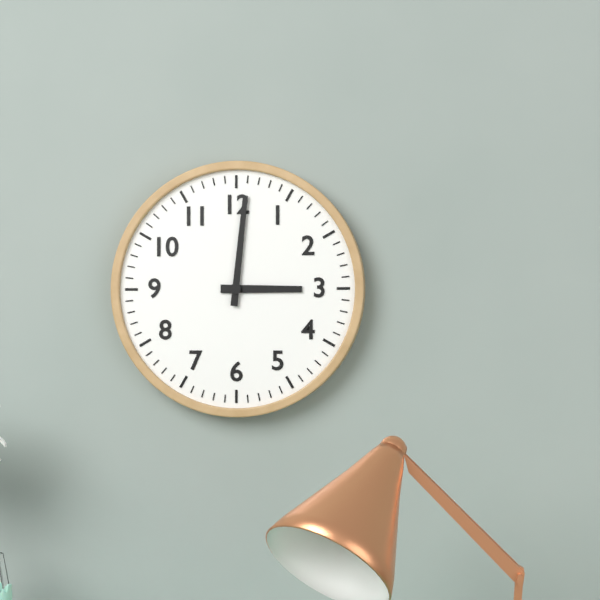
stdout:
3:01
